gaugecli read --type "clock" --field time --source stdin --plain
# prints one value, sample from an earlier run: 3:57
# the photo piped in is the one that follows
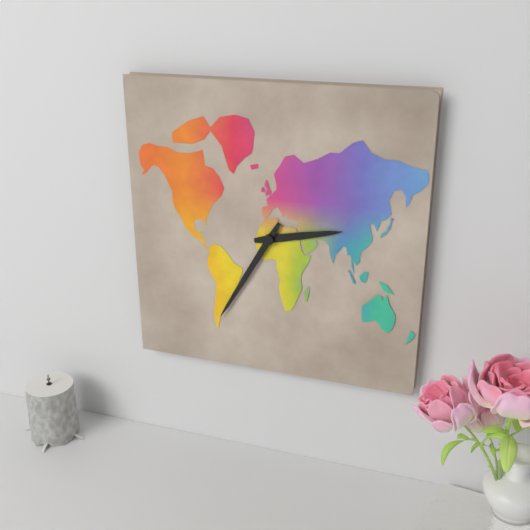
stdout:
2:35
